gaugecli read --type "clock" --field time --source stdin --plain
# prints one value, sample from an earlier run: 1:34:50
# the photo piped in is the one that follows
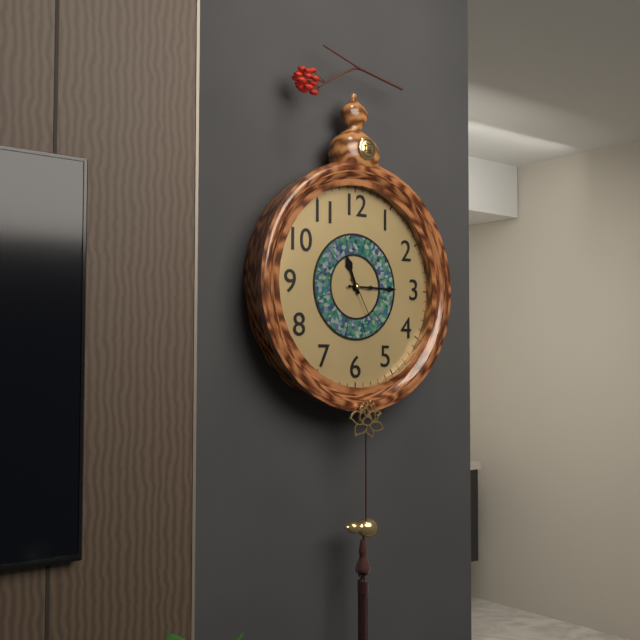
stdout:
11:15:25
